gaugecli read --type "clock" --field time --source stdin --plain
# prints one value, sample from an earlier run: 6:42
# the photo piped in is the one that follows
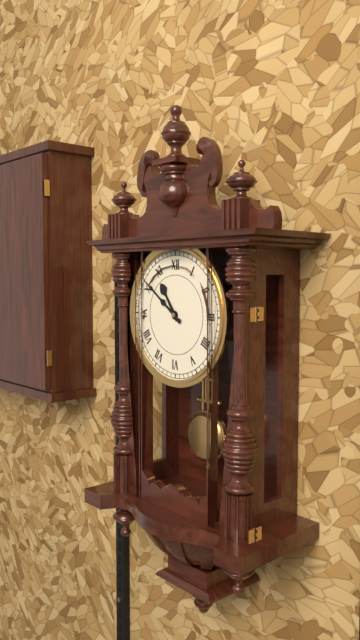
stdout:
10:51
